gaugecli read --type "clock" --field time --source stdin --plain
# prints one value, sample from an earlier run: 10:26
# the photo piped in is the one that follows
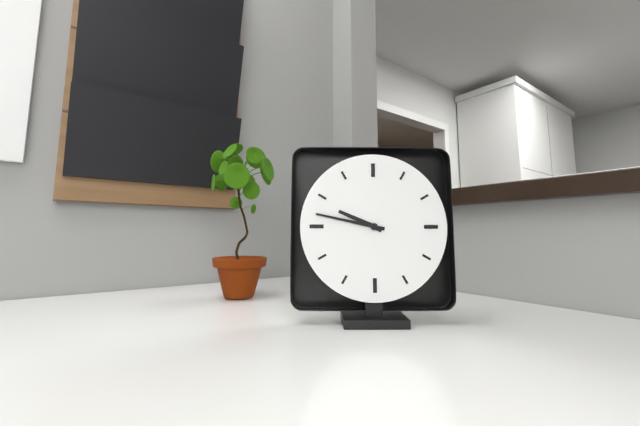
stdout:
9:47
